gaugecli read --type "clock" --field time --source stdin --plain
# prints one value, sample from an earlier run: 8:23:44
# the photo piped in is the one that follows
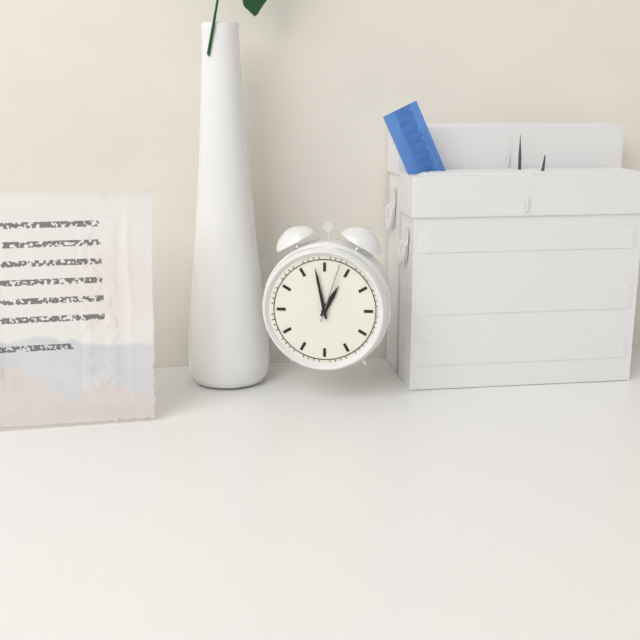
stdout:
12:58:03
